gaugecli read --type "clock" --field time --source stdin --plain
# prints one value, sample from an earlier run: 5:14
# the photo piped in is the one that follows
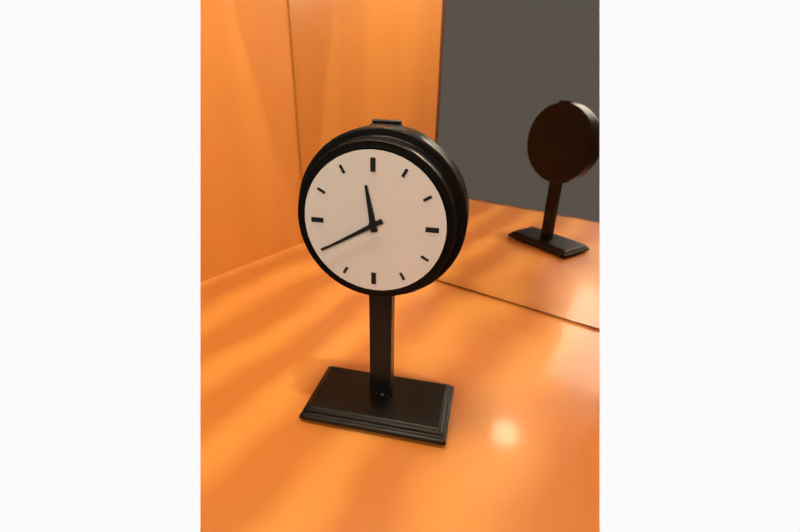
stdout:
11:40
